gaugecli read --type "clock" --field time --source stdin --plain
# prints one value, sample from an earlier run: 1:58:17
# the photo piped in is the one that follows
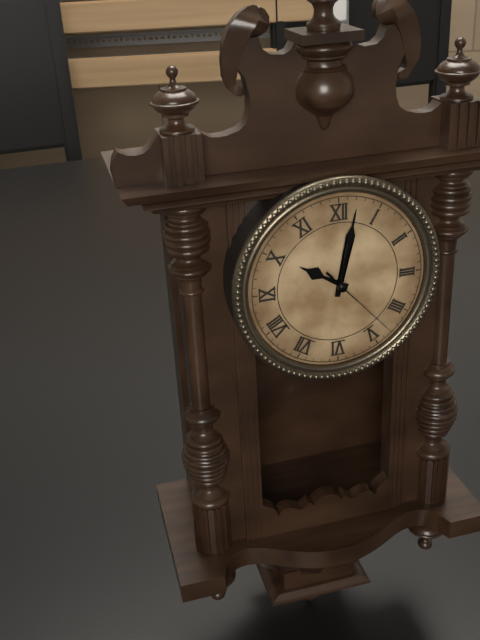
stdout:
10:02:23
